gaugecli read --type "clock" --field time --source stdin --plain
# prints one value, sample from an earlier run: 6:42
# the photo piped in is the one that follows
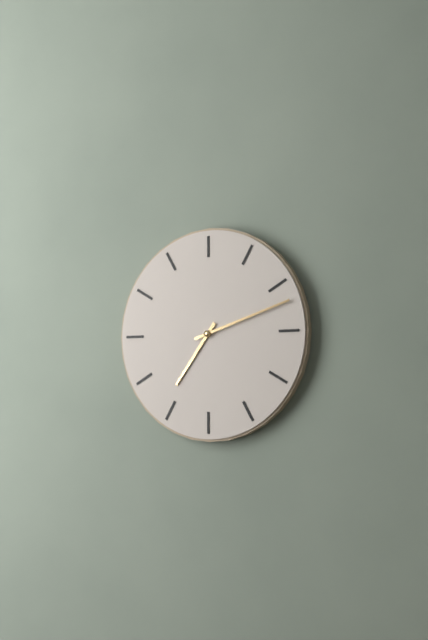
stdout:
7:12
